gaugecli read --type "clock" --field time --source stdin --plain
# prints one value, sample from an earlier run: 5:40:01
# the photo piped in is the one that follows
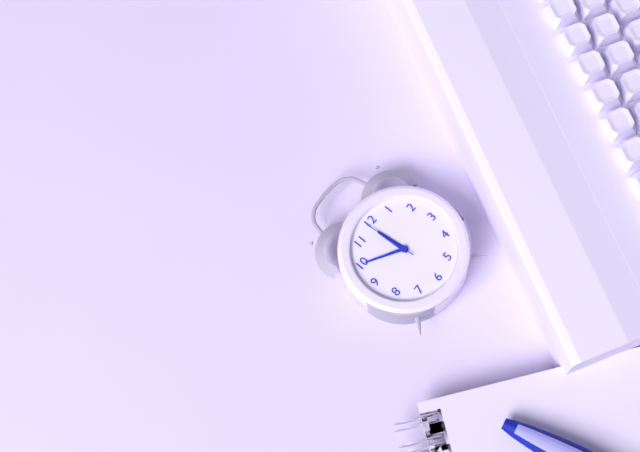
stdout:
11:50:59
